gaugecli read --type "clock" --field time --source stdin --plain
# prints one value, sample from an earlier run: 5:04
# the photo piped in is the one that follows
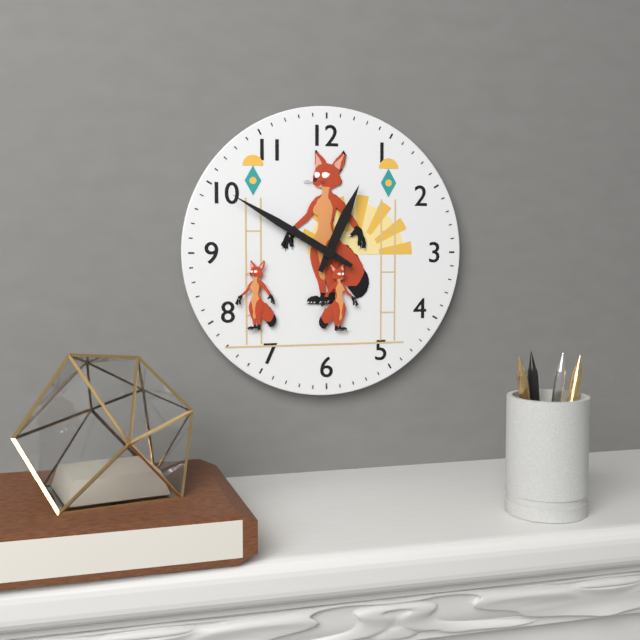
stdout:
12:50
